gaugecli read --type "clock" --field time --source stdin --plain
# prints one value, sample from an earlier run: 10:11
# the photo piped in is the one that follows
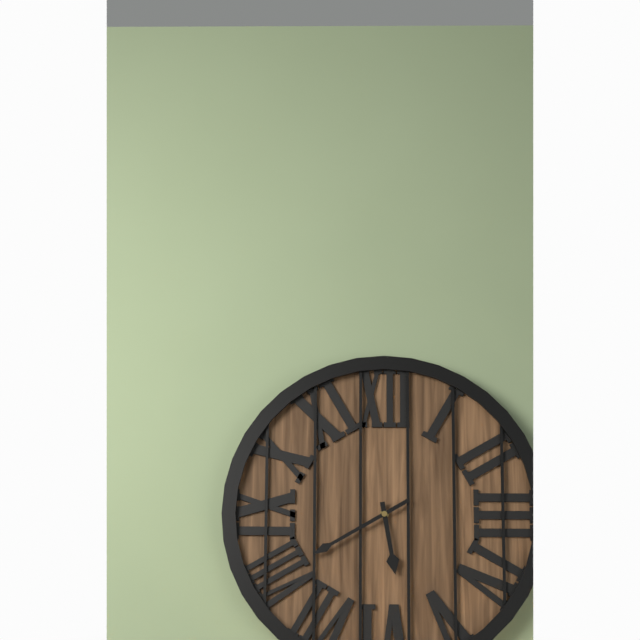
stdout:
5:40
